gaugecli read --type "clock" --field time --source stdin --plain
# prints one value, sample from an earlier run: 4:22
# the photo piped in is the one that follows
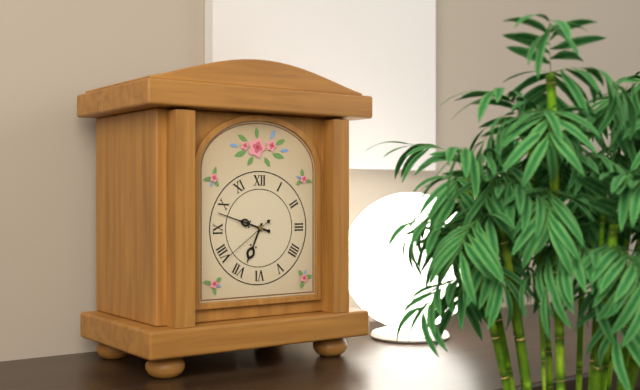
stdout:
6:48
